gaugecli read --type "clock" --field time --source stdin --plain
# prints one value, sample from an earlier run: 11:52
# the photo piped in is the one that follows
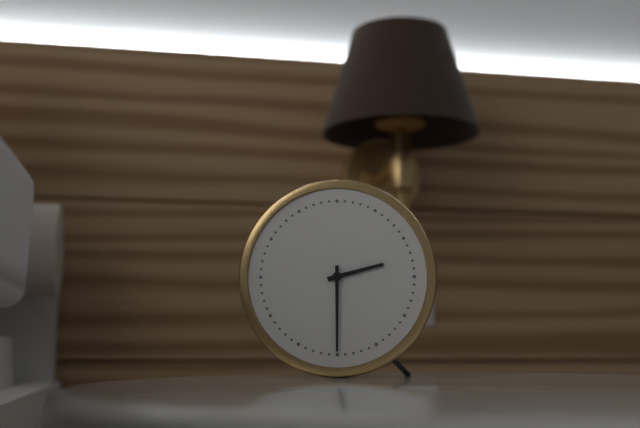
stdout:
2:30
